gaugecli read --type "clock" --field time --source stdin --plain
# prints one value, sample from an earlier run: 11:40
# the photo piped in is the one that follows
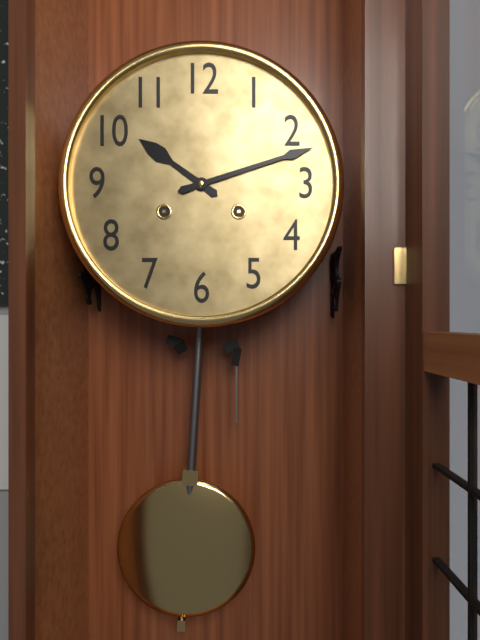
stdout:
10:12
